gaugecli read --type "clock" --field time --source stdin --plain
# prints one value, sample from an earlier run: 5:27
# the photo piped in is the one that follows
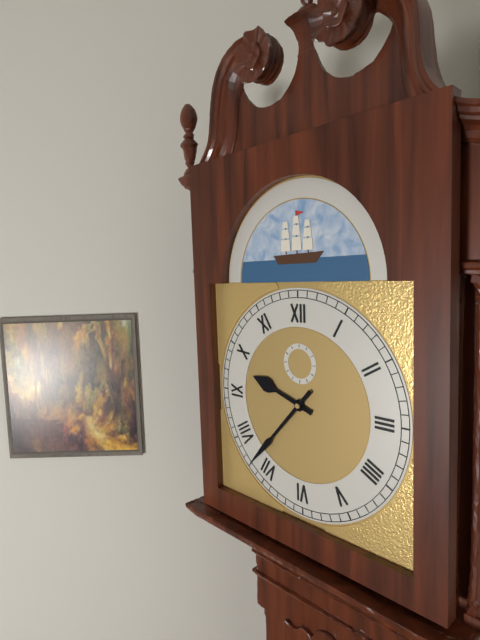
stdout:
9:37
